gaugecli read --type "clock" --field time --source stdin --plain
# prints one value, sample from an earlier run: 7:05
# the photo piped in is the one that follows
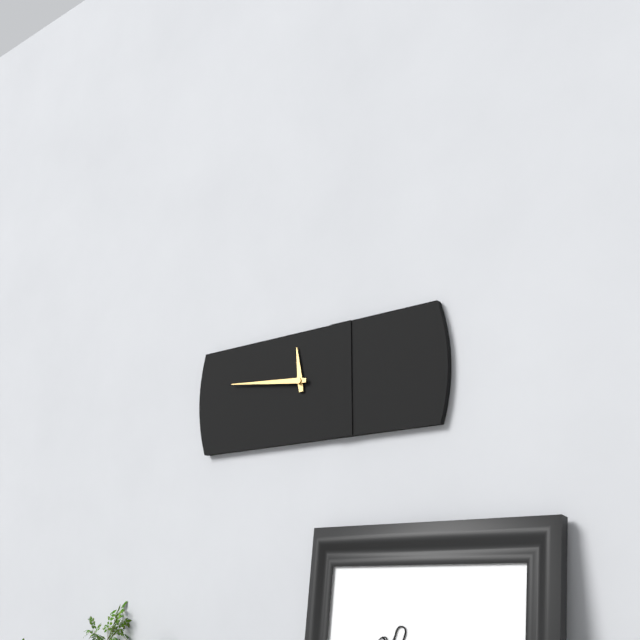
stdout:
11:46
